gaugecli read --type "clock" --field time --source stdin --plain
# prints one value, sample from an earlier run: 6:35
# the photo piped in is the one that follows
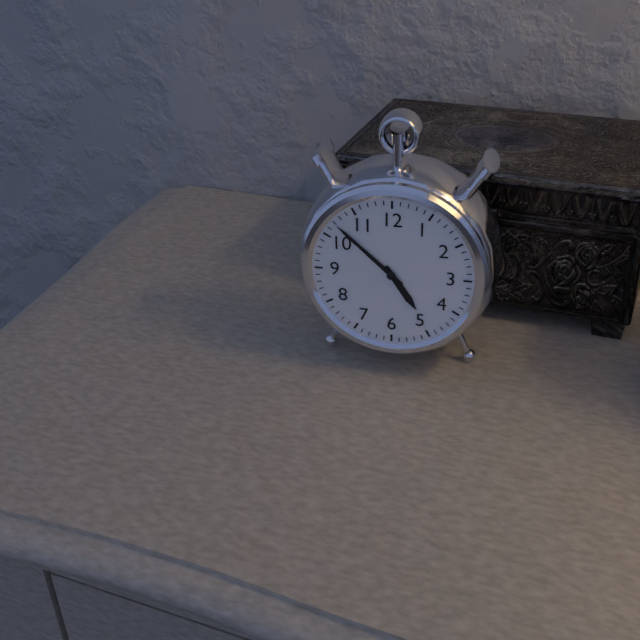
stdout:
4:52
